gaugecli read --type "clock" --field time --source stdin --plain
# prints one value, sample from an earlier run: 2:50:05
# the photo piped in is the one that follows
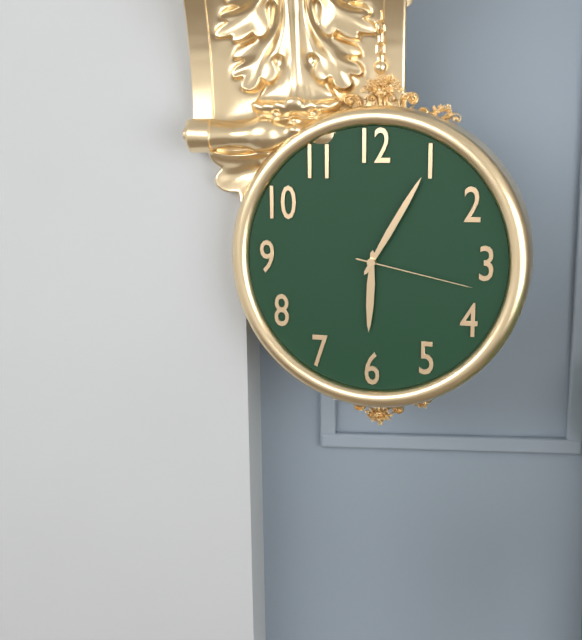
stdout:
6:05:17
